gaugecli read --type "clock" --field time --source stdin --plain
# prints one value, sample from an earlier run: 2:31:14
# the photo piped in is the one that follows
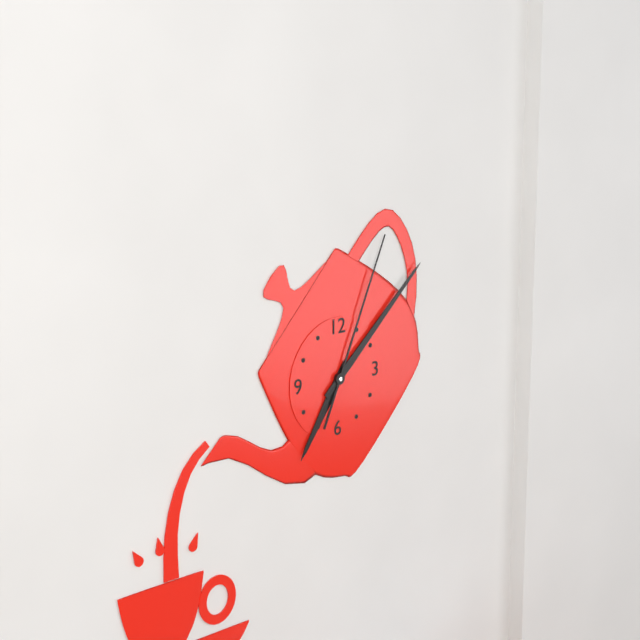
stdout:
7:08:04
